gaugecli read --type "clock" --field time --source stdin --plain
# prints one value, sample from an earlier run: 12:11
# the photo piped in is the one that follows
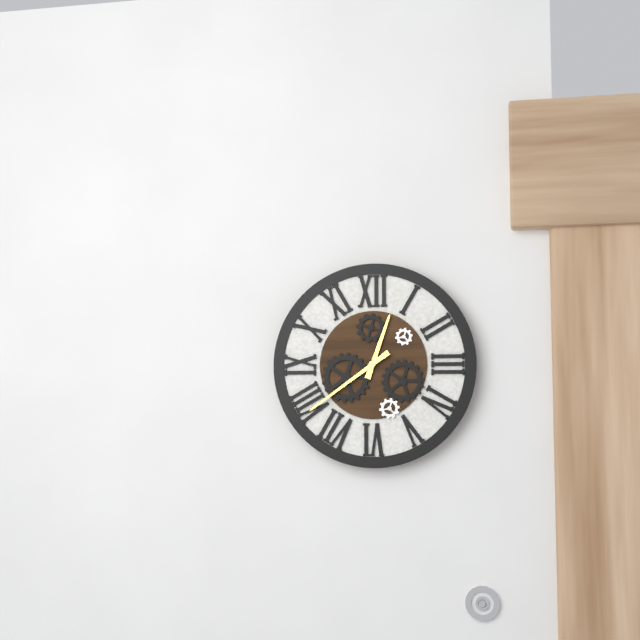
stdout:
12:39
